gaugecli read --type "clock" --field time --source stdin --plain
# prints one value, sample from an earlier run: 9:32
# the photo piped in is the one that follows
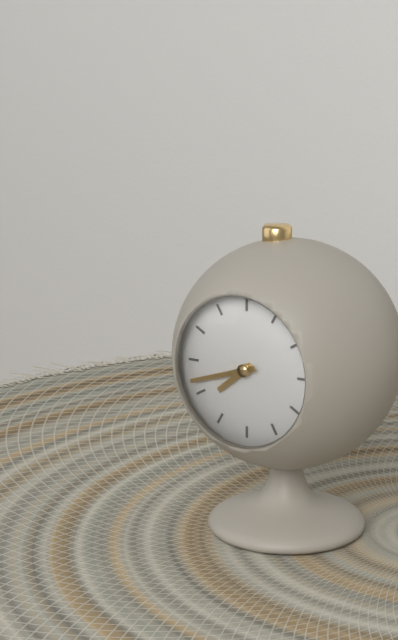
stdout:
7:42
